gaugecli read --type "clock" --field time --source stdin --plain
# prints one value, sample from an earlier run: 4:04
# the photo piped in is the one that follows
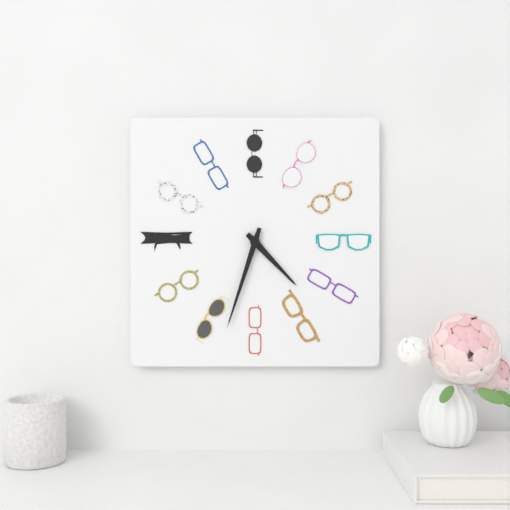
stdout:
4:33
